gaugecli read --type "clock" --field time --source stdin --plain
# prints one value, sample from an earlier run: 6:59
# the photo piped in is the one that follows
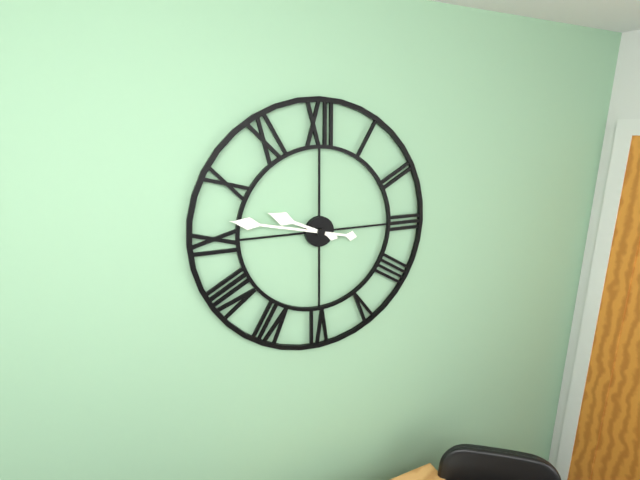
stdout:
9:47
